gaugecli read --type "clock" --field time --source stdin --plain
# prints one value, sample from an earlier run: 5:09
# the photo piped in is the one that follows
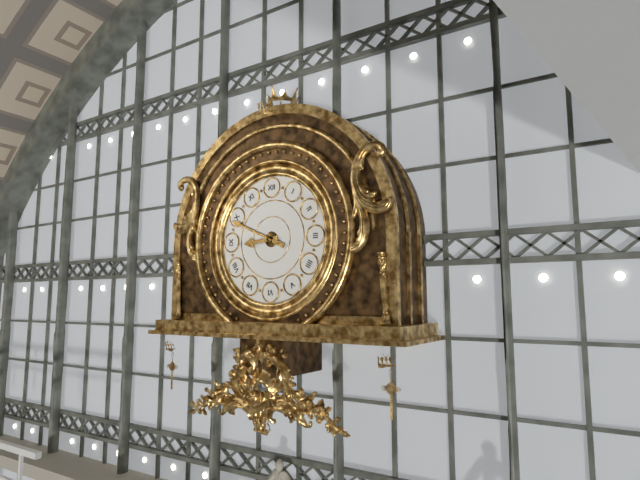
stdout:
8:49
